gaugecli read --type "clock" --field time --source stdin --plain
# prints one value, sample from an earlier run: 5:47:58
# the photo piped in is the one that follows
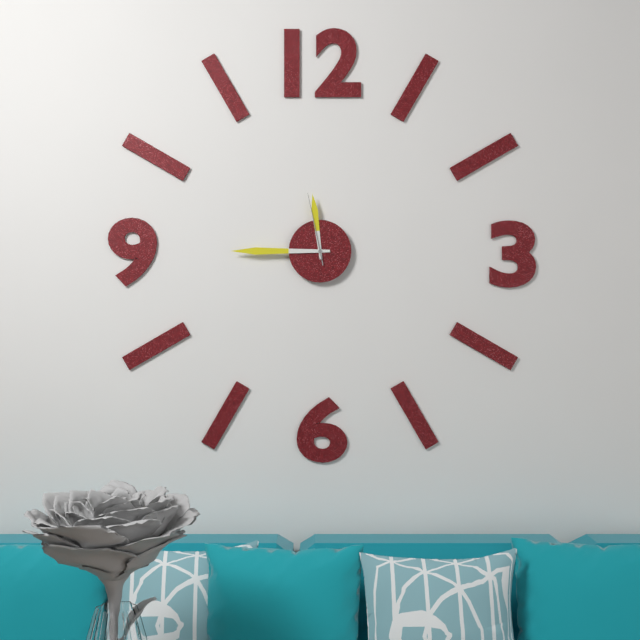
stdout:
11:45:58
